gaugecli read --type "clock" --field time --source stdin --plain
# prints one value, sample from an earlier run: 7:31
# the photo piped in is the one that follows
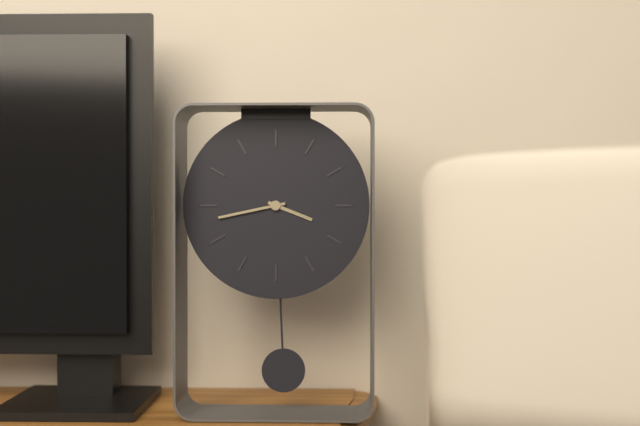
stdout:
3:43
